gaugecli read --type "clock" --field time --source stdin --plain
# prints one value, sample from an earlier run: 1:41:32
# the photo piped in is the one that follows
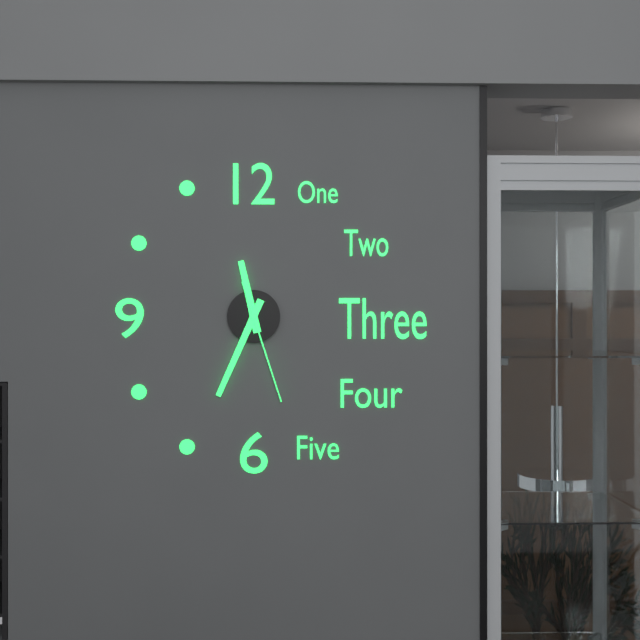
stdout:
11:34:27
